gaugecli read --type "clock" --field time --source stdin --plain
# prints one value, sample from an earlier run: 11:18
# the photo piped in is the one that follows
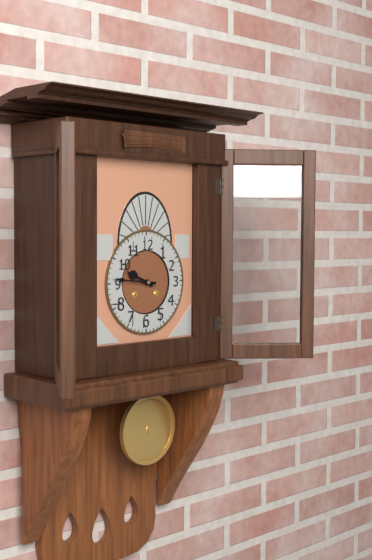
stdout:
9:46
